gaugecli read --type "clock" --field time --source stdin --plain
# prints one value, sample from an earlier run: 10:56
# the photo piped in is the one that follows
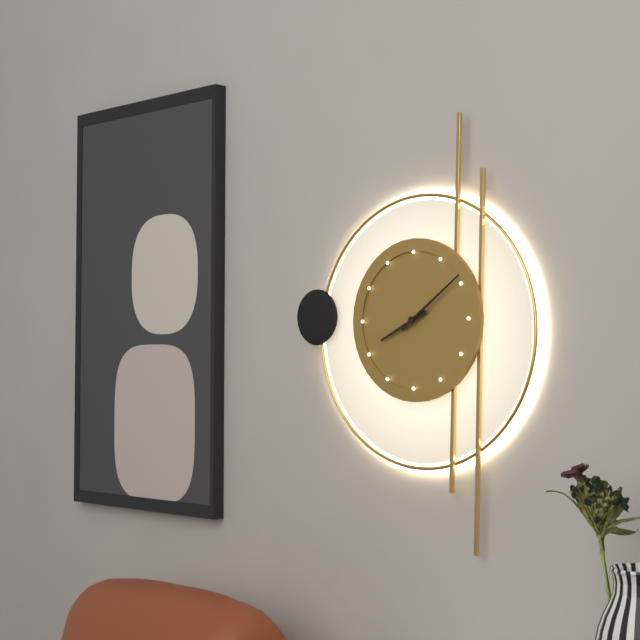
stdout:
8:09
